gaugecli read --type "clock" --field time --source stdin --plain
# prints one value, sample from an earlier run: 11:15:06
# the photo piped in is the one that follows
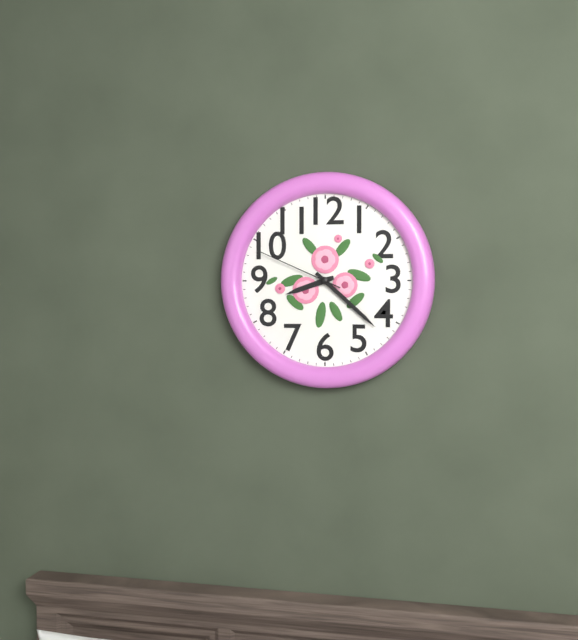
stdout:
8:22:49
